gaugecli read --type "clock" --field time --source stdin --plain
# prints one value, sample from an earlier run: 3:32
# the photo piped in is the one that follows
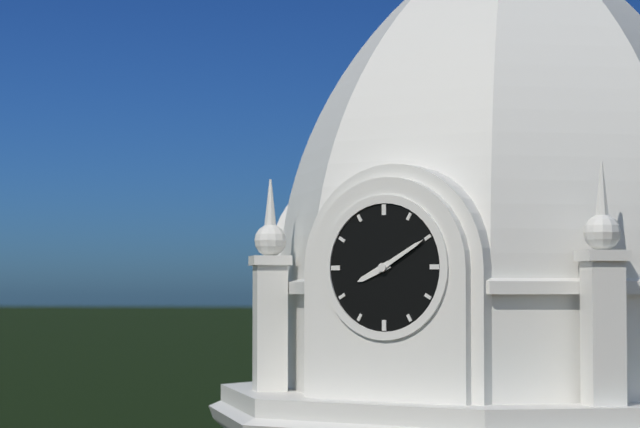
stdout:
8:10
